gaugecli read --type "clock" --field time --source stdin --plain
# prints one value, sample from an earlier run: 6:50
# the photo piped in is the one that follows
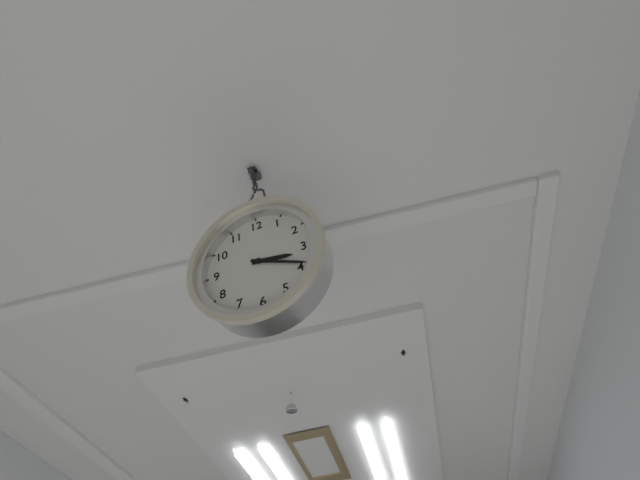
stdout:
3:19
